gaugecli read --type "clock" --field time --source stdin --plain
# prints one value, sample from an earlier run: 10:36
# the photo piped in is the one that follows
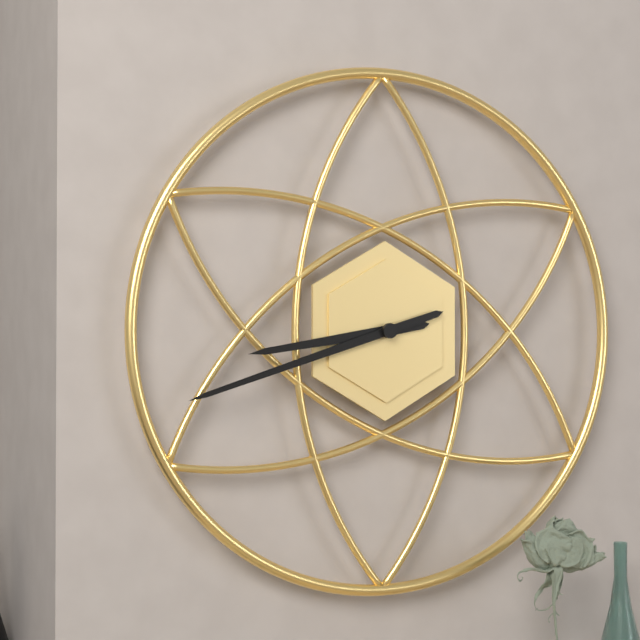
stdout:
8:42
